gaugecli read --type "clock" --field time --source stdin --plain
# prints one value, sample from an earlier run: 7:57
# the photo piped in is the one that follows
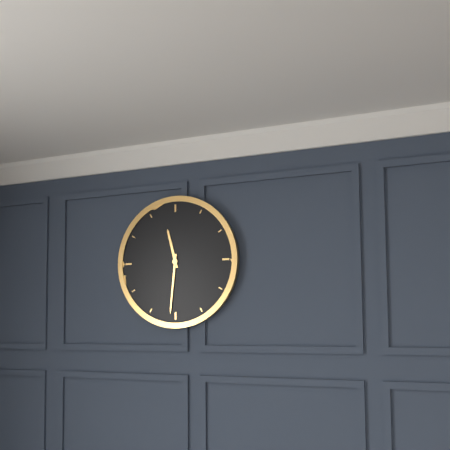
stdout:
11:31
